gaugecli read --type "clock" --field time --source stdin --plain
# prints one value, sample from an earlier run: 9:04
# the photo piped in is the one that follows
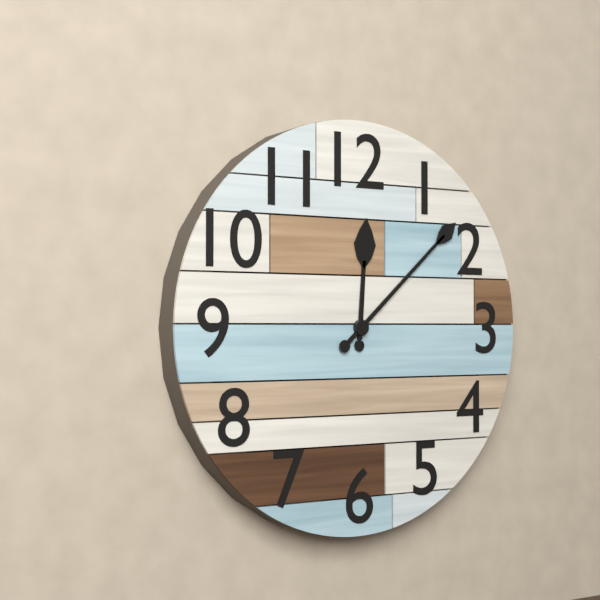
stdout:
12:08
